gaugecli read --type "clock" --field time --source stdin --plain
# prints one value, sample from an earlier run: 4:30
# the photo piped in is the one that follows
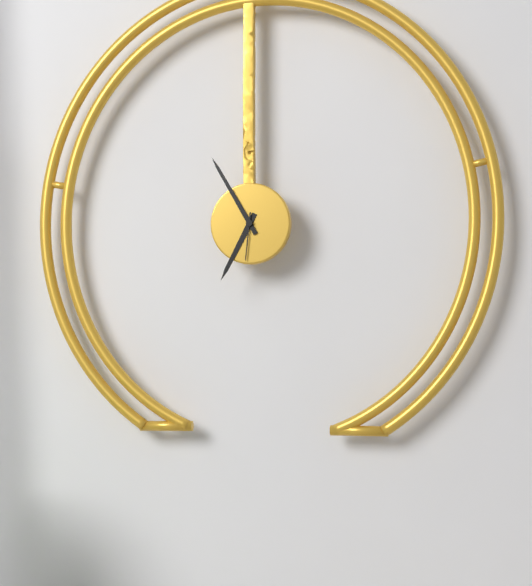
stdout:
6:55
